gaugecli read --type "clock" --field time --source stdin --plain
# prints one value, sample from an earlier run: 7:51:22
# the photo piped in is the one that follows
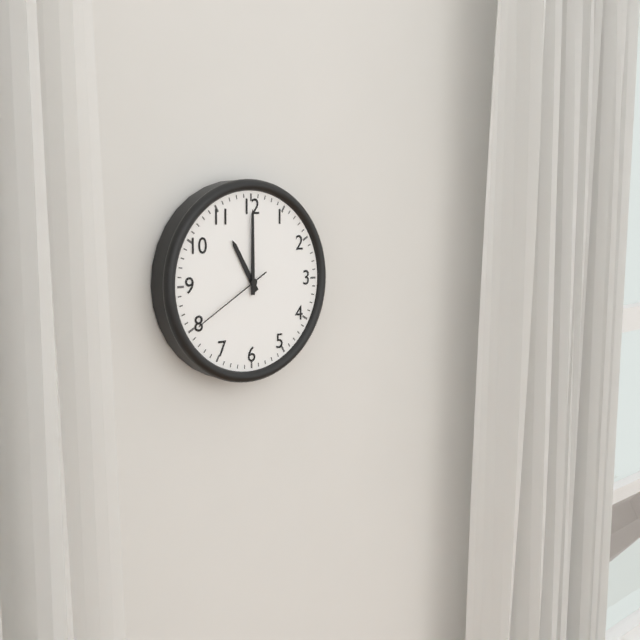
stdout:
11:00:40
